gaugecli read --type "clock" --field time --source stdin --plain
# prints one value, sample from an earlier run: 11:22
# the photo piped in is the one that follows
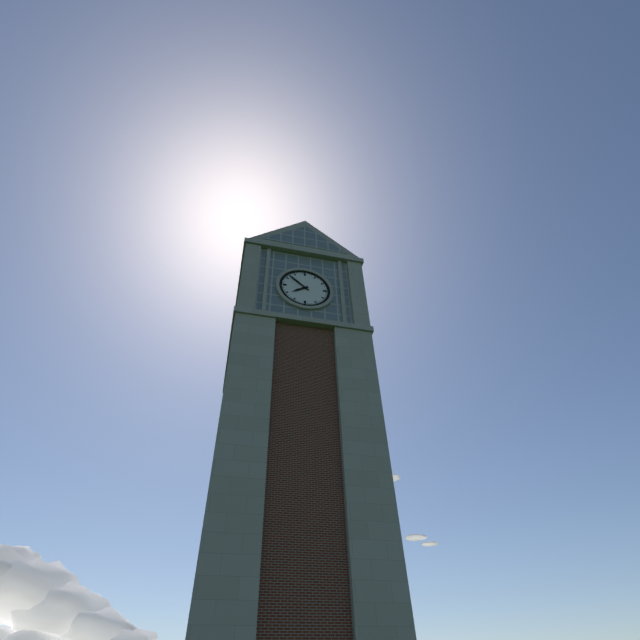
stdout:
7:52
